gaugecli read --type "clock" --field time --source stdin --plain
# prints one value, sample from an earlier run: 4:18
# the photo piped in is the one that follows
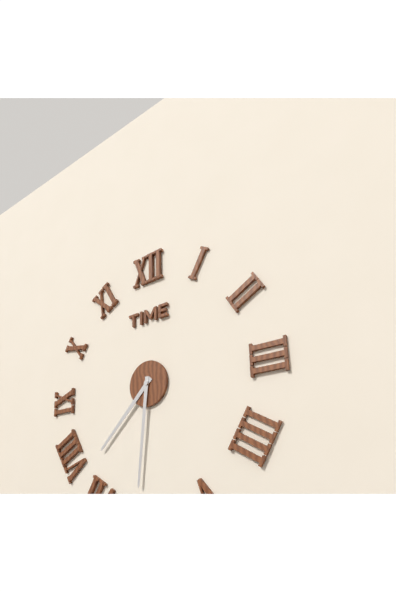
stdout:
7:31
